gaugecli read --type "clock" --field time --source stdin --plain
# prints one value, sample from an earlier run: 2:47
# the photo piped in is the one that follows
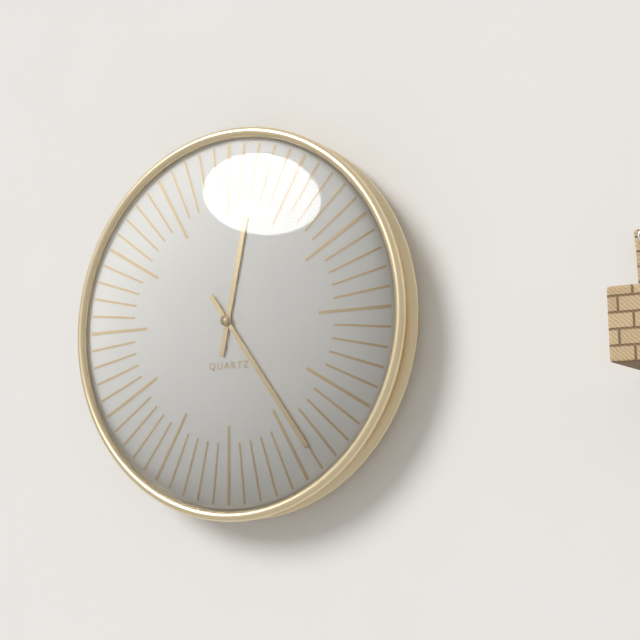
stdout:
12:24
